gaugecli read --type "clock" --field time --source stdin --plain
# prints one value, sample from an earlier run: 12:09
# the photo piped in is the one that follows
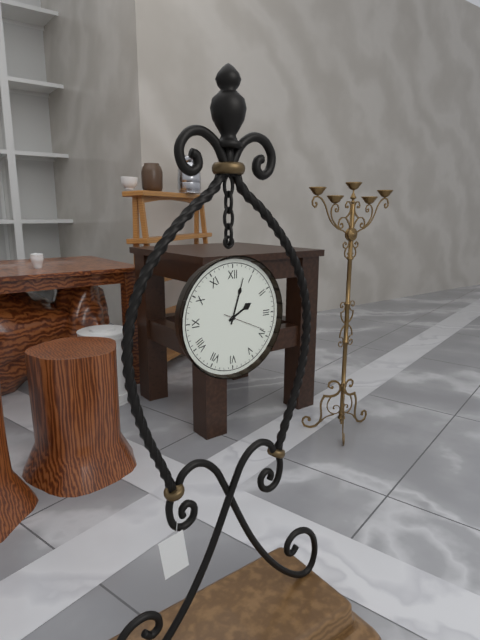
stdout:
2:03
